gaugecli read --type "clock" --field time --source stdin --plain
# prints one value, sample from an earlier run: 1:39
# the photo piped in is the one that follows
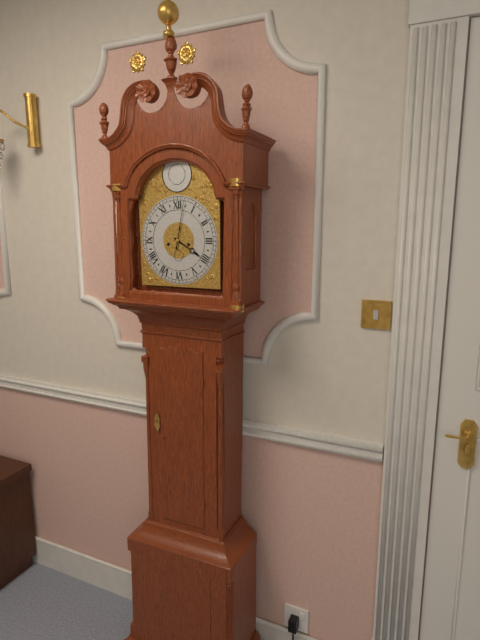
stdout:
4:02
